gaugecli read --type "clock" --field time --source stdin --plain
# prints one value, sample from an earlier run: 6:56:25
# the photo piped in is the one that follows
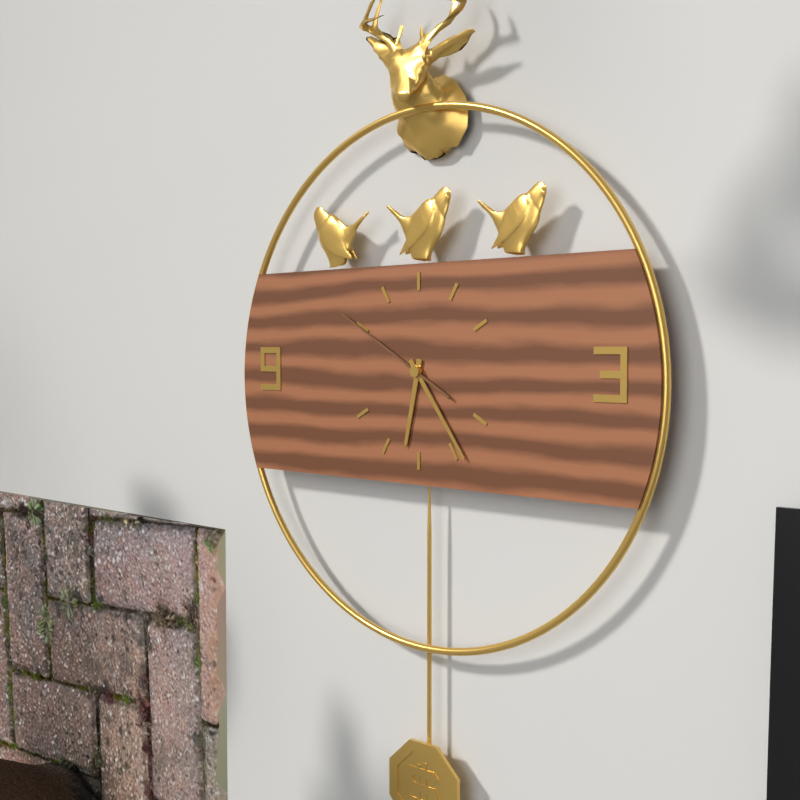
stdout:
6:24:50
